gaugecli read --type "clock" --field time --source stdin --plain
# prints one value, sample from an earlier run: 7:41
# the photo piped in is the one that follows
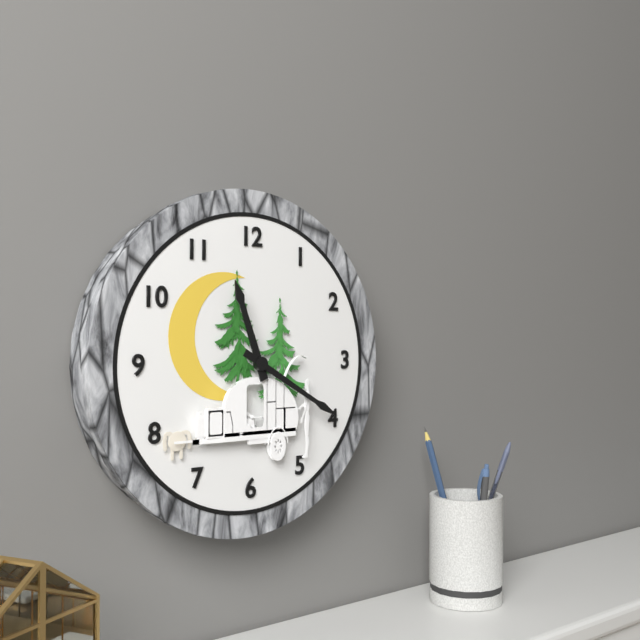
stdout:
11:20
